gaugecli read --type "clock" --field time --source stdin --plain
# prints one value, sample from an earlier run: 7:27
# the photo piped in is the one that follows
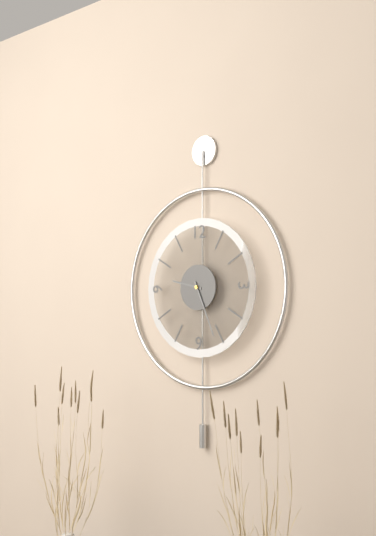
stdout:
9:26
